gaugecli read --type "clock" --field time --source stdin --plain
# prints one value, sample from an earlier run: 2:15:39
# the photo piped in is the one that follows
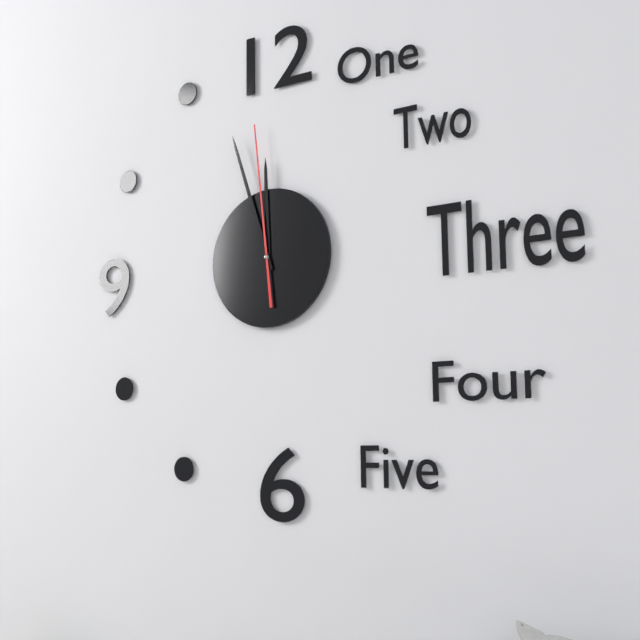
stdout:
11:57:59
